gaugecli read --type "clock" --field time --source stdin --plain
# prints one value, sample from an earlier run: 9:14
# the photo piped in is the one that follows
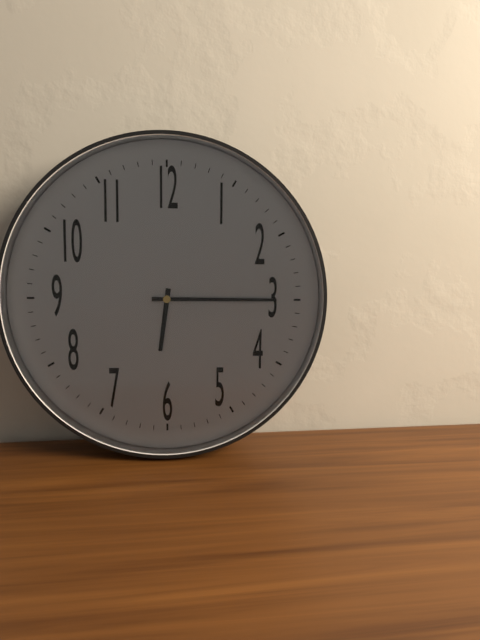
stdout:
6:15
